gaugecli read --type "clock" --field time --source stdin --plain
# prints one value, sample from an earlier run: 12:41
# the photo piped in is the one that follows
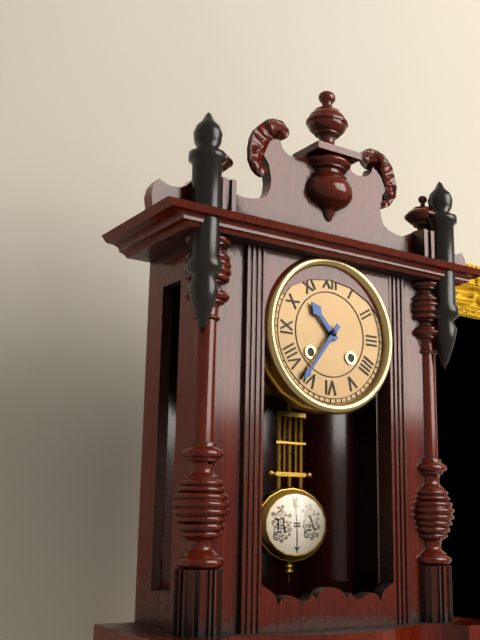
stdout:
10:36
